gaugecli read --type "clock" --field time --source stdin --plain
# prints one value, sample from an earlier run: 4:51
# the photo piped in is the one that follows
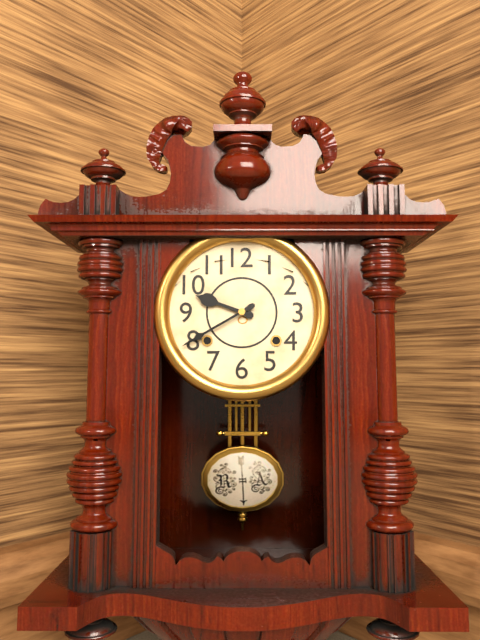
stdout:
9:40
